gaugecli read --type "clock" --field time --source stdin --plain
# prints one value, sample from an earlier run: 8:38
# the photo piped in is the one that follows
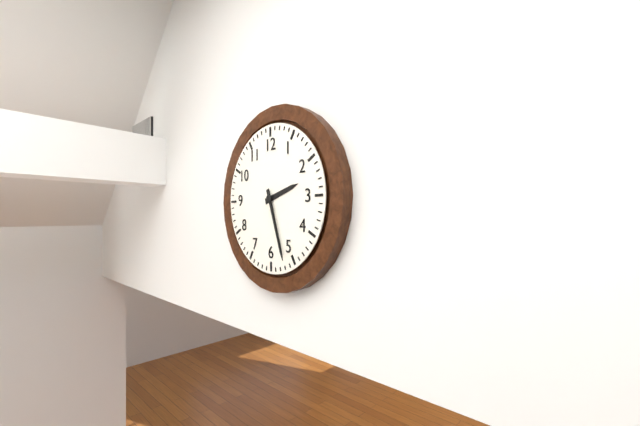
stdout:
2:27
